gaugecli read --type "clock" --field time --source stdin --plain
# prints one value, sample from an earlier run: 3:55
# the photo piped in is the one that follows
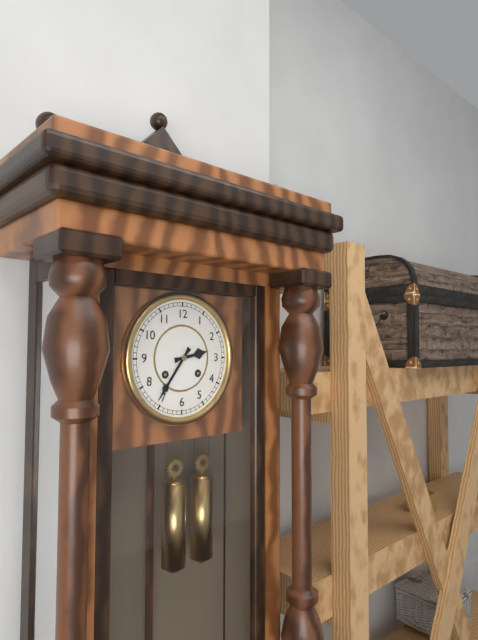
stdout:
2:36
